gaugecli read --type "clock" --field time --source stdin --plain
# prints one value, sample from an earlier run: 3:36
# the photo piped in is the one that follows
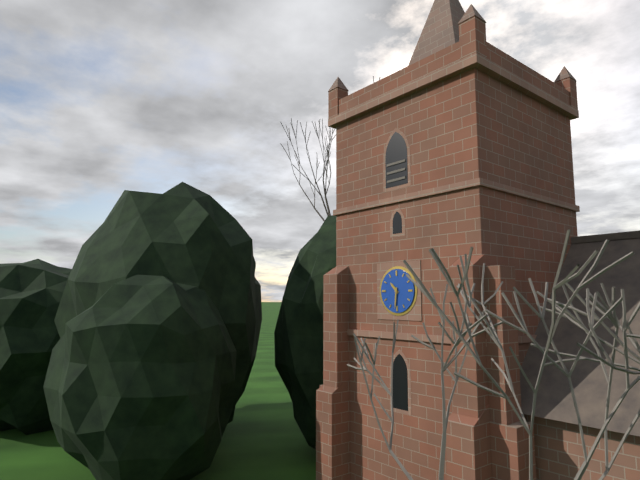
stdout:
10:31
